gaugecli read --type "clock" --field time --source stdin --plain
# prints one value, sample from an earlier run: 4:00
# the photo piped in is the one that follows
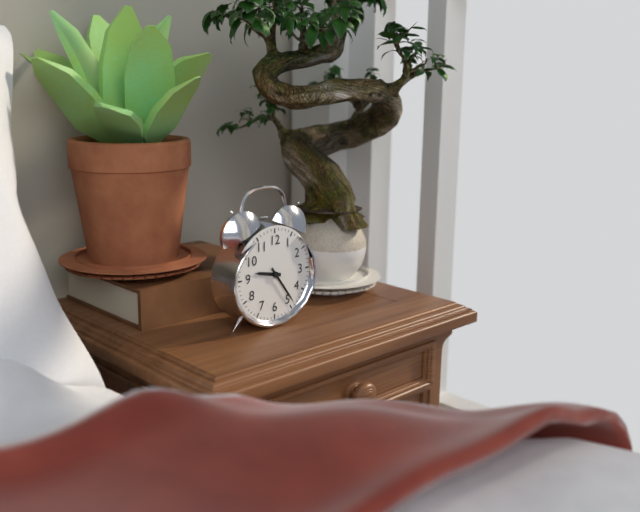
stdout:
9:24
